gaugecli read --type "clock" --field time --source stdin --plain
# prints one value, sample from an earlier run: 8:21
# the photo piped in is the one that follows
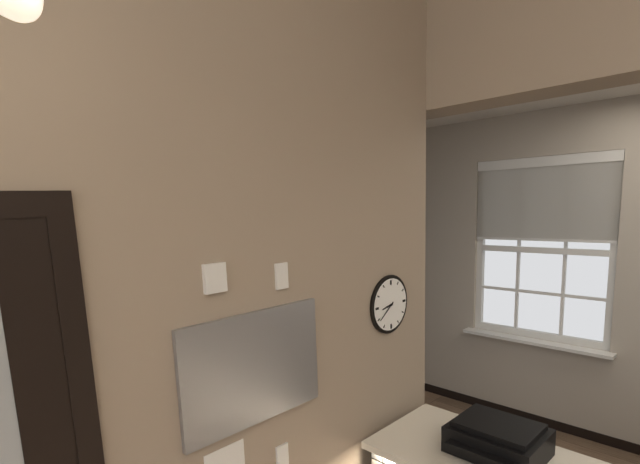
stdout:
8:39
